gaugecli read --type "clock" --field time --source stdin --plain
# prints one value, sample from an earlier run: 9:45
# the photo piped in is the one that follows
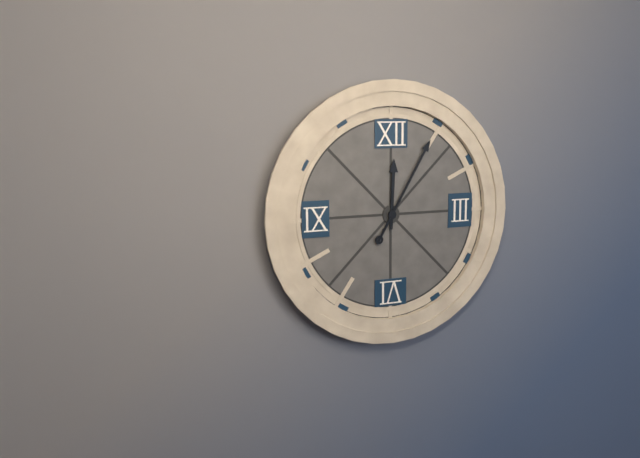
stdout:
12:05
